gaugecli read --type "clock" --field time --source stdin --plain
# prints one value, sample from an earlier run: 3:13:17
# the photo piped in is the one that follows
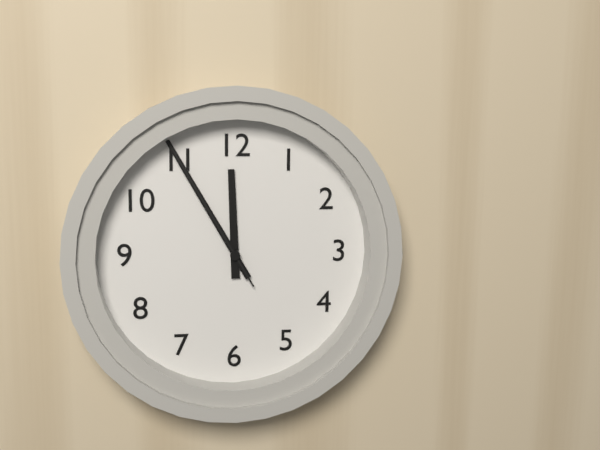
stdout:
11:55:55
